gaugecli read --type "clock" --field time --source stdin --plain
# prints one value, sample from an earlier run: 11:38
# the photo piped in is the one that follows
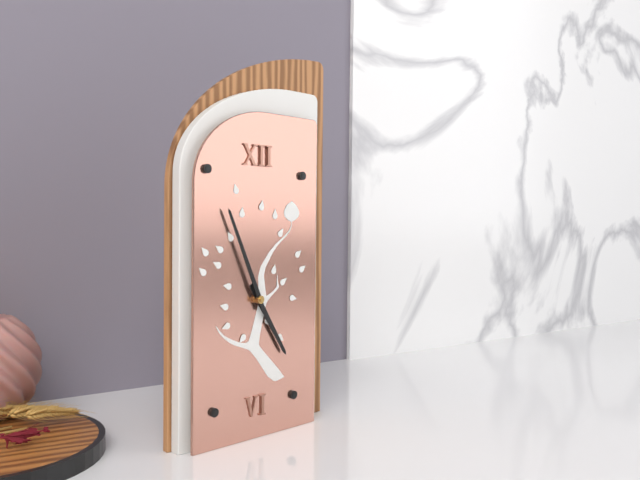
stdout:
4:56
